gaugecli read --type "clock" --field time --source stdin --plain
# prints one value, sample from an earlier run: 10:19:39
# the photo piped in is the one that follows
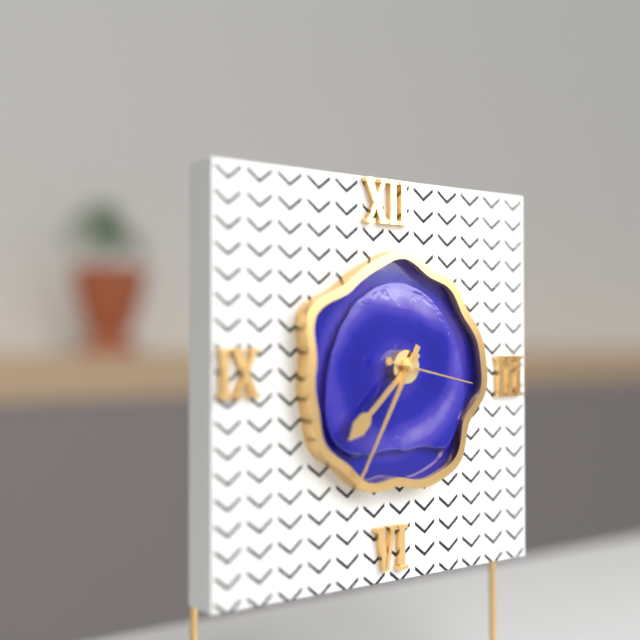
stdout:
7:35:17
